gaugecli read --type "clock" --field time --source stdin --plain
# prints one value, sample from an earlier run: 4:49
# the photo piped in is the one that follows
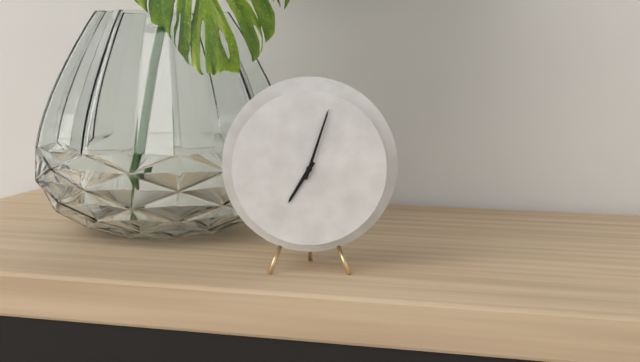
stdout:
7:03
